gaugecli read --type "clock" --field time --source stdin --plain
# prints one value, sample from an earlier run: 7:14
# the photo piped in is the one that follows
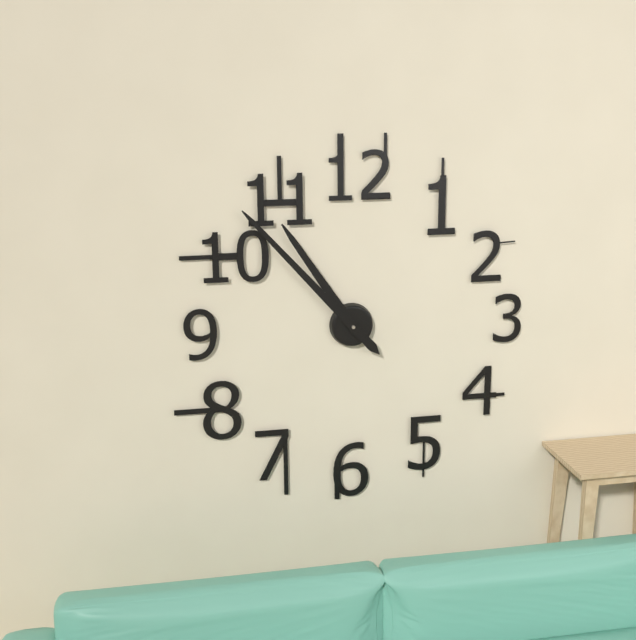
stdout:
10:53
